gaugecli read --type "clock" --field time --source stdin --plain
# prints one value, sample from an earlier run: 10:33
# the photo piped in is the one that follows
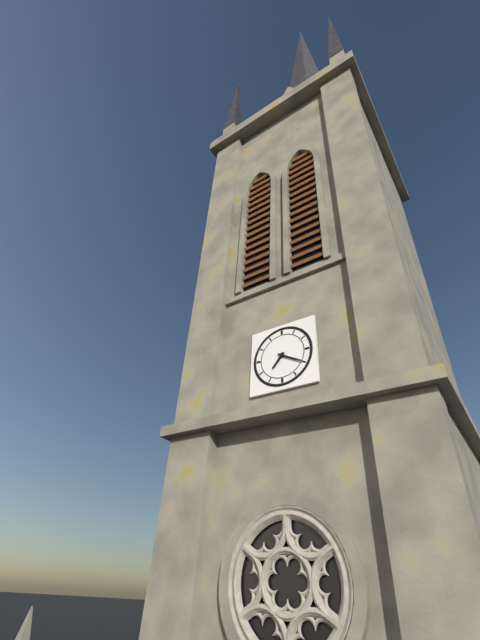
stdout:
7:20
